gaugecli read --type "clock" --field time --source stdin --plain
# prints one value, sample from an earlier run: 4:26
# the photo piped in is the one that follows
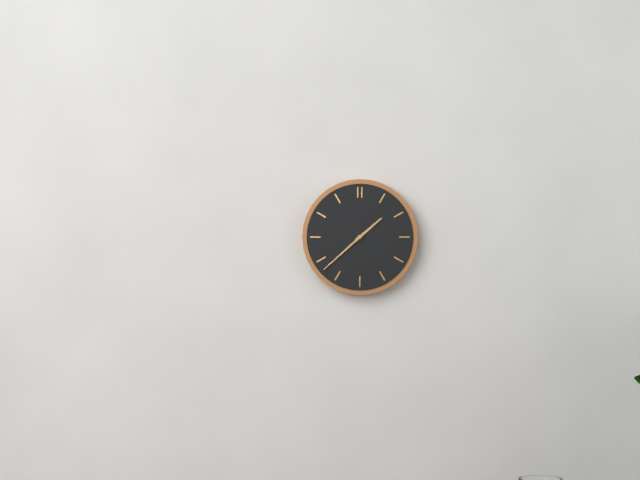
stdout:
1:38
